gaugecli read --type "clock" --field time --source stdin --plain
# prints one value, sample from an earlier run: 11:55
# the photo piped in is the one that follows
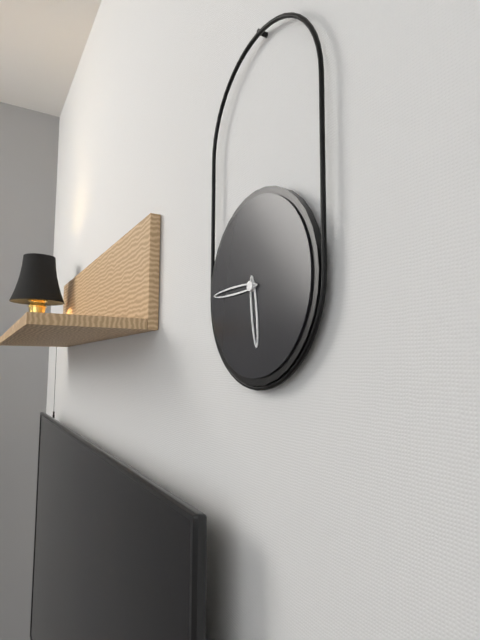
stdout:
5:45
